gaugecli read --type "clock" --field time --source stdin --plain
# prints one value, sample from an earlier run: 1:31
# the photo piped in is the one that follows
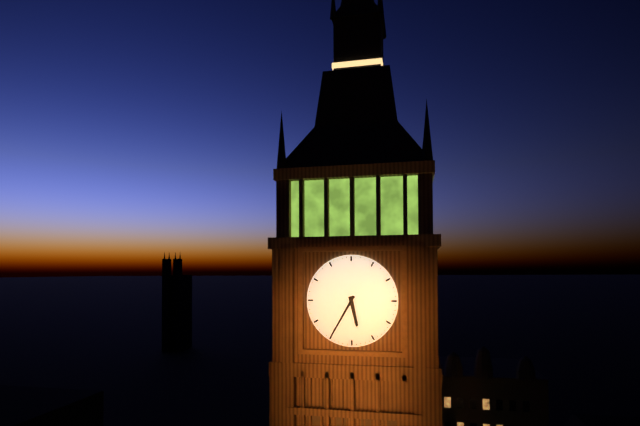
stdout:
5:35
